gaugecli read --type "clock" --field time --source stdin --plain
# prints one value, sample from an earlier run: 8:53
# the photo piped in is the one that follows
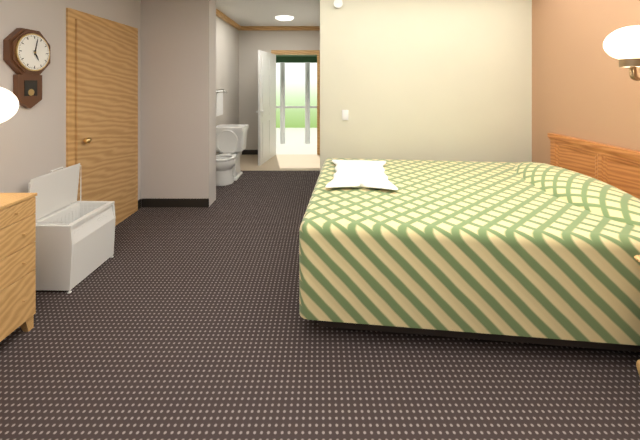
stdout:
5:02
